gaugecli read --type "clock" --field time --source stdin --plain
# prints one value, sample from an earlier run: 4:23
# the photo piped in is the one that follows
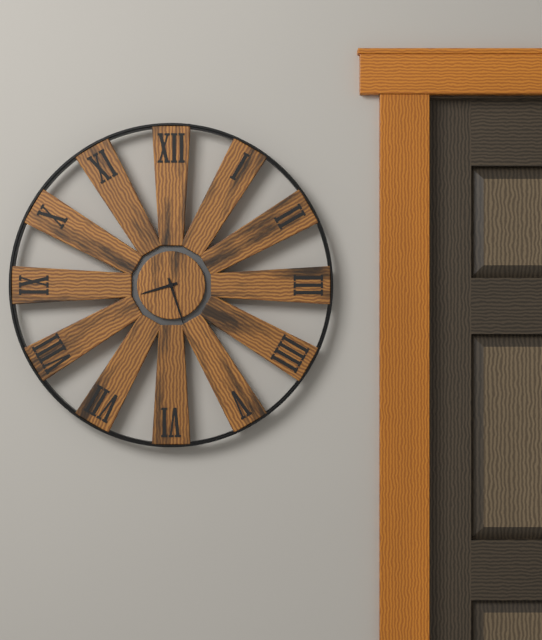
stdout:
8:27
